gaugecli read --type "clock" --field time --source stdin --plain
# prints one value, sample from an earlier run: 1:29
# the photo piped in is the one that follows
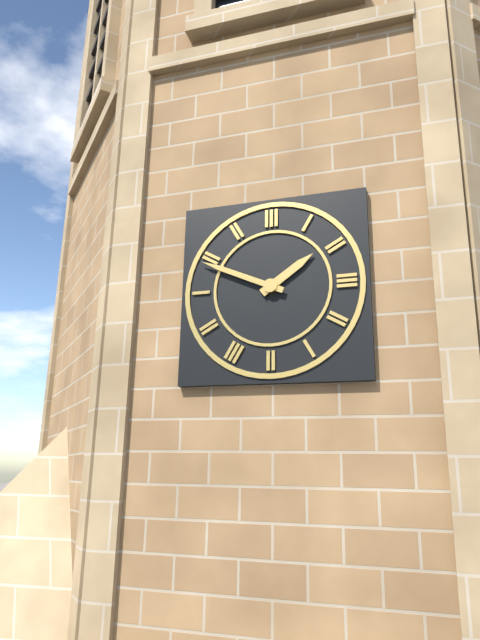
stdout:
1:49
